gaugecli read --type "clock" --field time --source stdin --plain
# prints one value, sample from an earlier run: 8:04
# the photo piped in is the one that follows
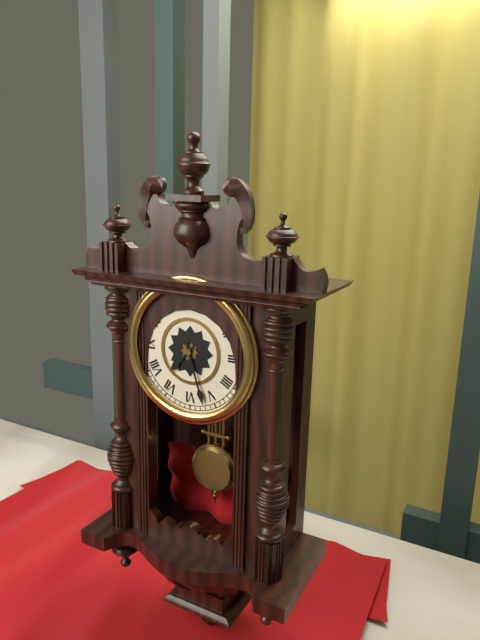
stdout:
7:27
